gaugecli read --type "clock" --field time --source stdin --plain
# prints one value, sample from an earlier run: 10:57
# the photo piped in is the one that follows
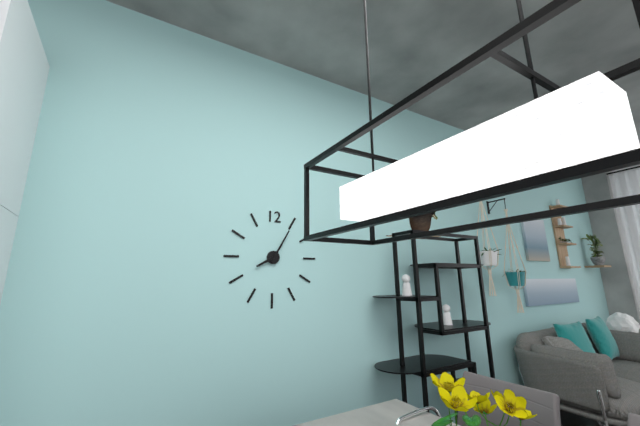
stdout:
8:05
